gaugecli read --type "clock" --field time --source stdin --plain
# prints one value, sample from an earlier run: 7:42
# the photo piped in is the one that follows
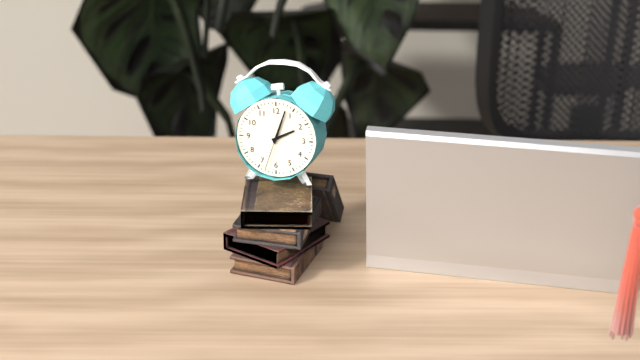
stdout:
2:03
